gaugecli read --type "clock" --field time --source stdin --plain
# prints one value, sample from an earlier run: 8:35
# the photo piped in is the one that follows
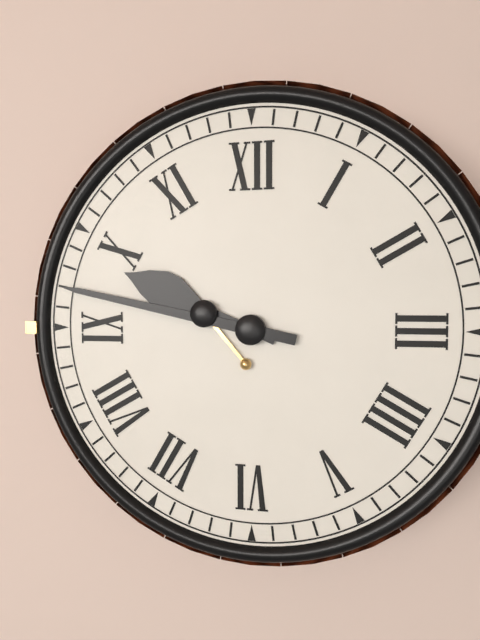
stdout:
9:47
